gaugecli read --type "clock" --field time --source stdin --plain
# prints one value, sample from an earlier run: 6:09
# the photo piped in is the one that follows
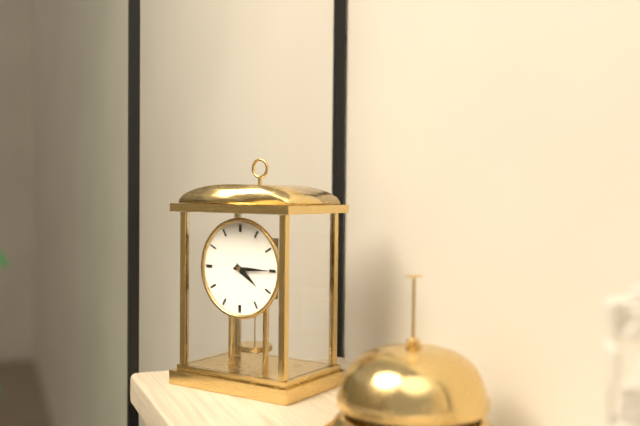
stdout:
4:15
